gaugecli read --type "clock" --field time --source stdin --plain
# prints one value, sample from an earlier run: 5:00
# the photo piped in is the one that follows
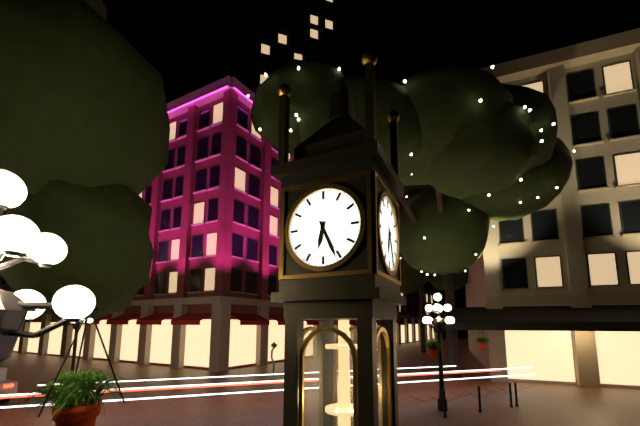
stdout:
6:26
